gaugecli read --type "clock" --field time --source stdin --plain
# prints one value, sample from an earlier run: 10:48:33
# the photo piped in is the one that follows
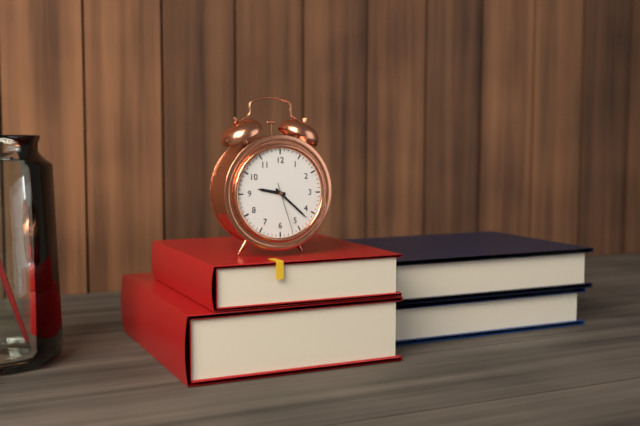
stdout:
9:22:27
